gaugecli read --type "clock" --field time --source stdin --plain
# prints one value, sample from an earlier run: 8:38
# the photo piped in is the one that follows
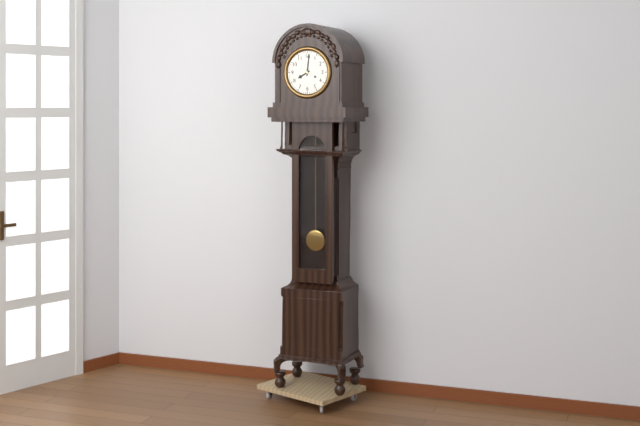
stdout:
8:01
